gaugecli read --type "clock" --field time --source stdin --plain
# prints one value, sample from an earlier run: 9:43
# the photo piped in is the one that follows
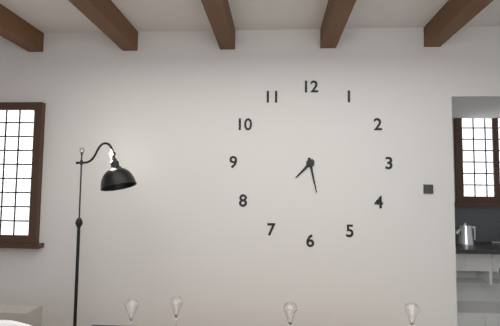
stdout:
7:28
